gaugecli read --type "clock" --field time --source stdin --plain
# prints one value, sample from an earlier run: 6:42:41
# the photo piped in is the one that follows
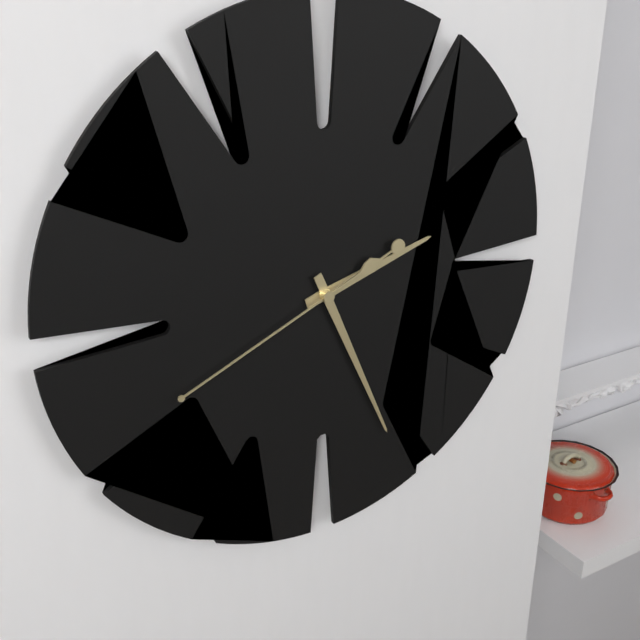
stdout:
2:26:41
